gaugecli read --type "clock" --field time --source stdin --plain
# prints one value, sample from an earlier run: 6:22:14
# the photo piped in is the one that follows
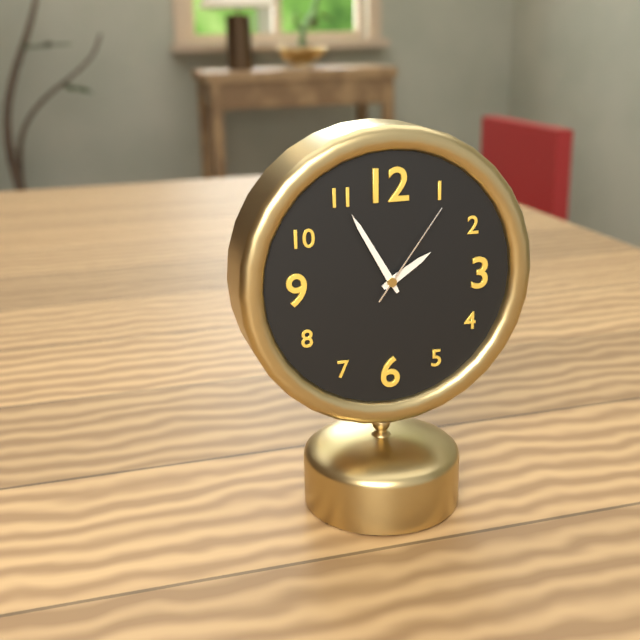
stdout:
1:55:06
